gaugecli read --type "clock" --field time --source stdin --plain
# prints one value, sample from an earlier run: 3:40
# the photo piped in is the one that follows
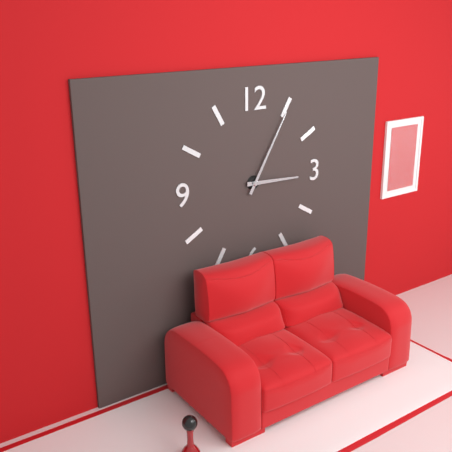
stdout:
3:05
